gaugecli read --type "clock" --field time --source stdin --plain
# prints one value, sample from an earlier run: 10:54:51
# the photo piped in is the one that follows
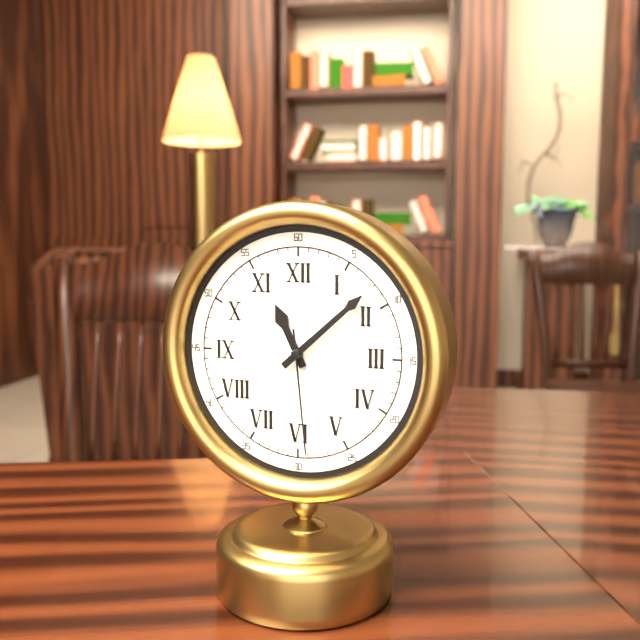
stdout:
11:08:29
